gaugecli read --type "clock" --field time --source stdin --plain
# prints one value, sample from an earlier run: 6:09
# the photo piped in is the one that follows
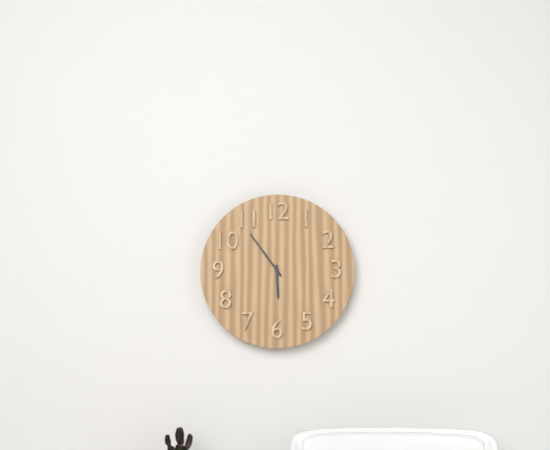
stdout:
5:54
